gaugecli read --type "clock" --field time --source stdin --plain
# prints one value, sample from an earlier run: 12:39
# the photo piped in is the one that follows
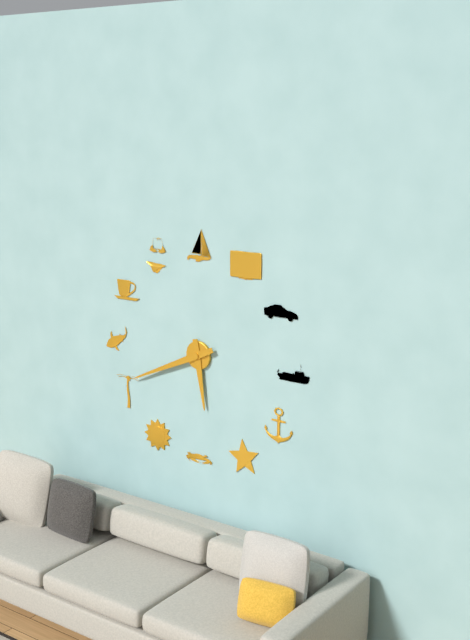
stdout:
5:41
